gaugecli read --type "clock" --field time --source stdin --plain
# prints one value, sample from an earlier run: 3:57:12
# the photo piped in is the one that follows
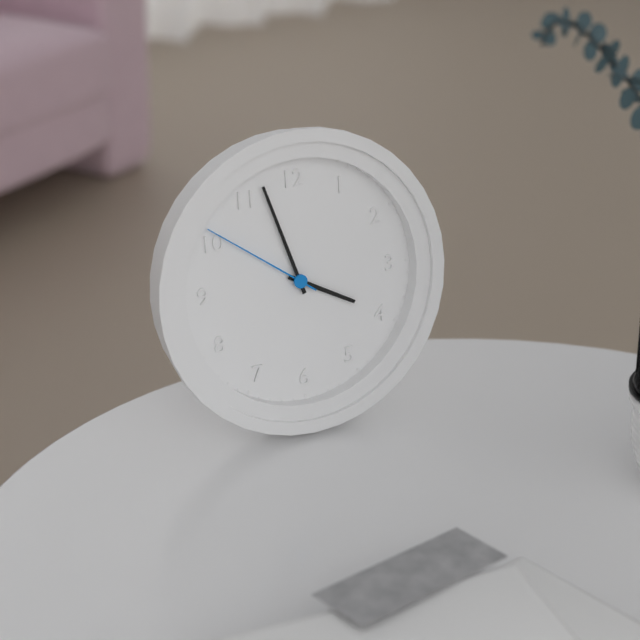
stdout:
3:57:51
